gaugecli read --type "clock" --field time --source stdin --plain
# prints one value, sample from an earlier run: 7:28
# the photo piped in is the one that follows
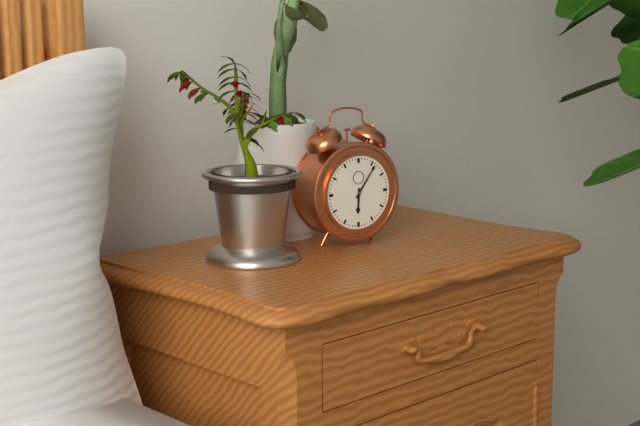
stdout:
6:06
